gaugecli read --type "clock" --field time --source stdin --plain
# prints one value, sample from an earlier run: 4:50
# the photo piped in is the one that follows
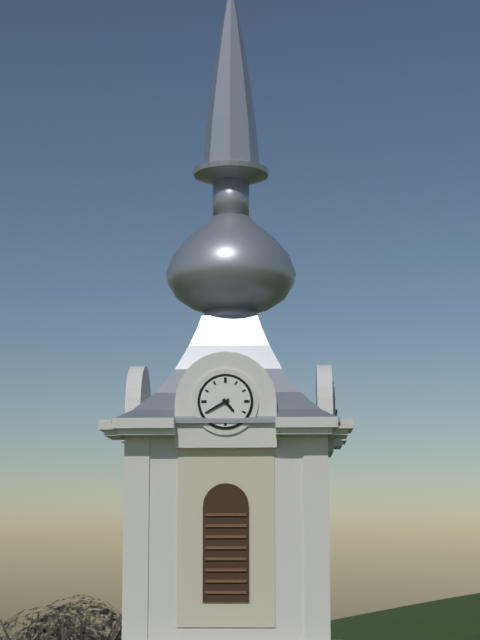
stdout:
4:40
